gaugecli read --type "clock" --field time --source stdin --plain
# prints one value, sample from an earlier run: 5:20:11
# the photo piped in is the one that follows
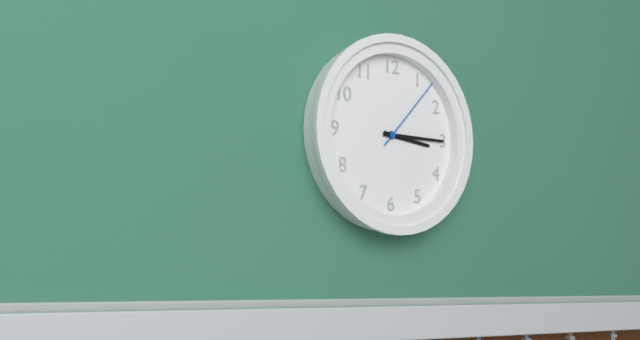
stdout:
3:15:07
